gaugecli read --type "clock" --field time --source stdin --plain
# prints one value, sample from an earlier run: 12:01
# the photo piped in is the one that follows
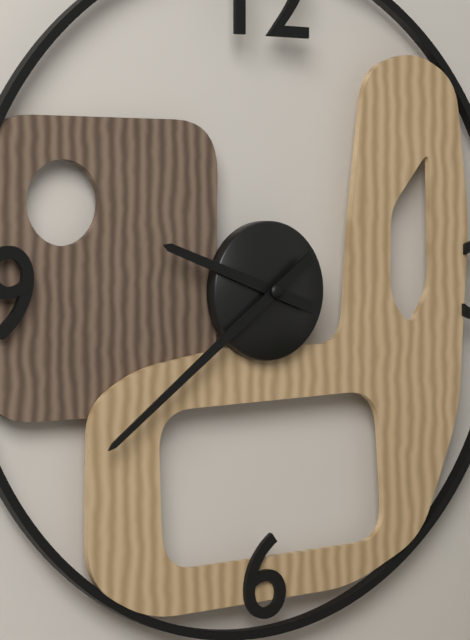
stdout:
9:39
